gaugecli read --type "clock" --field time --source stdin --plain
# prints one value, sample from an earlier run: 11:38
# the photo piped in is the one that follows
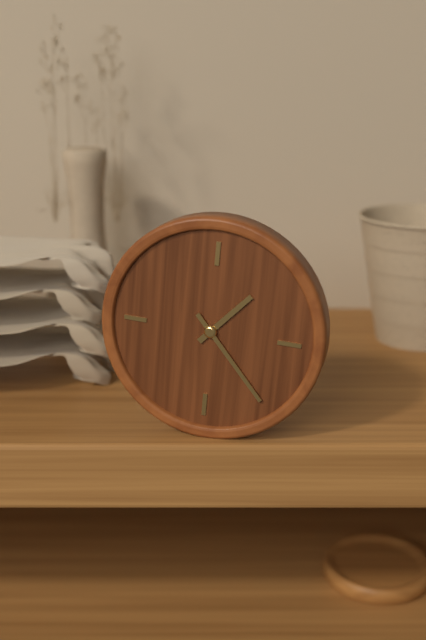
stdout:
1:23
